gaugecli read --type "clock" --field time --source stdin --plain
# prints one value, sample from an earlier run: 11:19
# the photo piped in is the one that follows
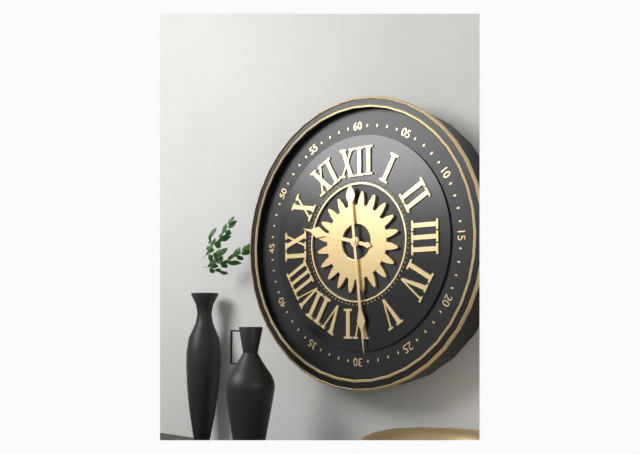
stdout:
9:29
